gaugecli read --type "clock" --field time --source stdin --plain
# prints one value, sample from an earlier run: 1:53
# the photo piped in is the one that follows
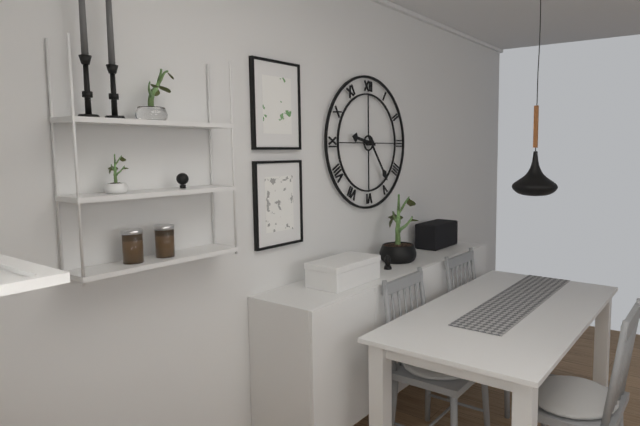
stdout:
9:24
